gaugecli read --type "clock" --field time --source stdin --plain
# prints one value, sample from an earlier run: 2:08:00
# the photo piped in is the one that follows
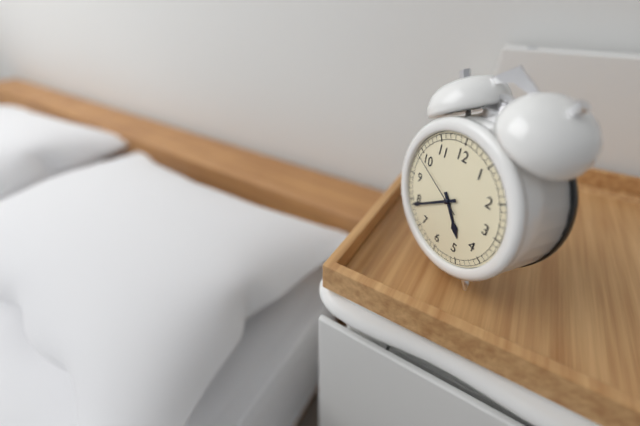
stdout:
4:39:49
